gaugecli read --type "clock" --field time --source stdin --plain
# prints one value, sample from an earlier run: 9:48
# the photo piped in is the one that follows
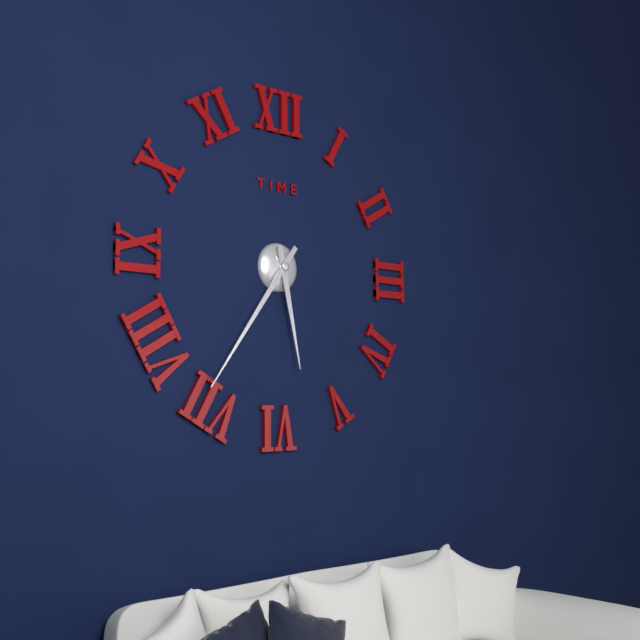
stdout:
5:36
